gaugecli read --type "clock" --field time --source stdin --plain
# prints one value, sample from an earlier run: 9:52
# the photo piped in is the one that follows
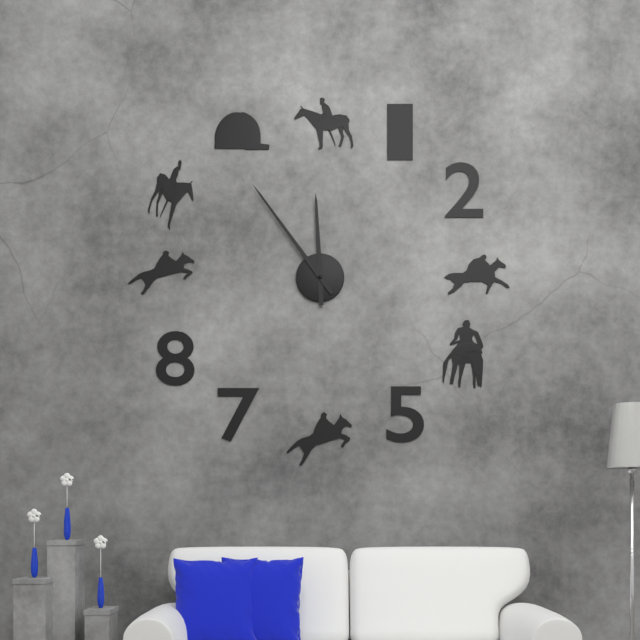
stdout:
11:54
